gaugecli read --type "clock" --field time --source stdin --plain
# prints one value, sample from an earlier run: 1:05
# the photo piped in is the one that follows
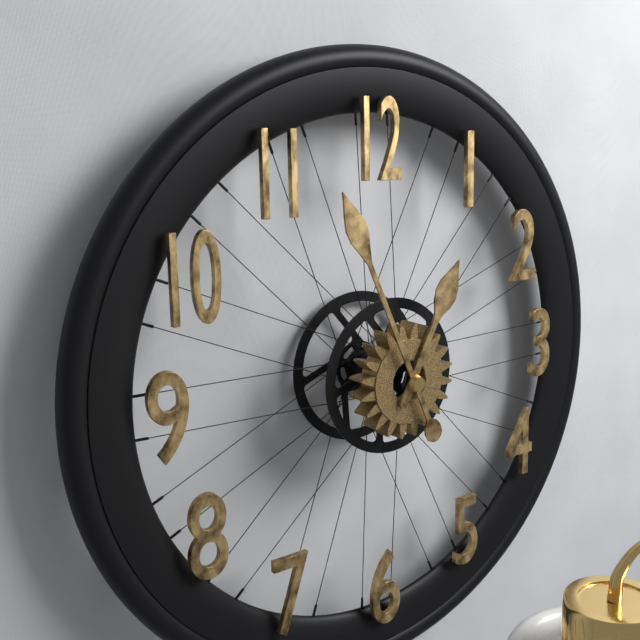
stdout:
12:56
